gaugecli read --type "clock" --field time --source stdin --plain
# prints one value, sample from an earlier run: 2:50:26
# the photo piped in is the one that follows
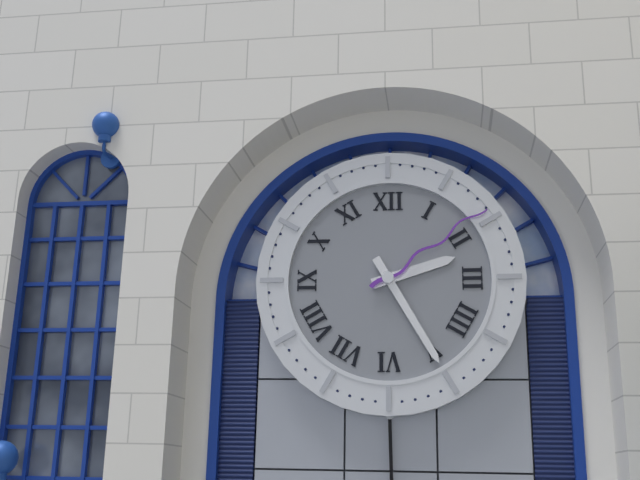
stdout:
2:25:09
